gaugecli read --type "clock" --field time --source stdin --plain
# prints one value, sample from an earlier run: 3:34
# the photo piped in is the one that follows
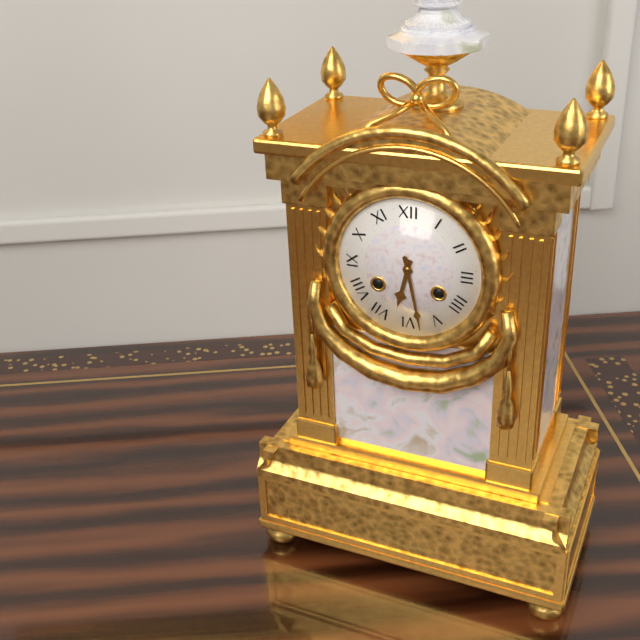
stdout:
6:28
